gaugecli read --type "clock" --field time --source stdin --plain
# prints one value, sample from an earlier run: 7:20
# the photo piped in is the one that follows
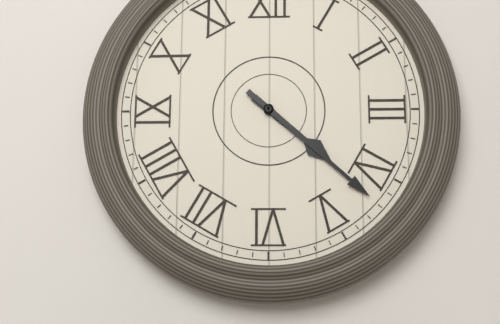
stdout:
4:22
